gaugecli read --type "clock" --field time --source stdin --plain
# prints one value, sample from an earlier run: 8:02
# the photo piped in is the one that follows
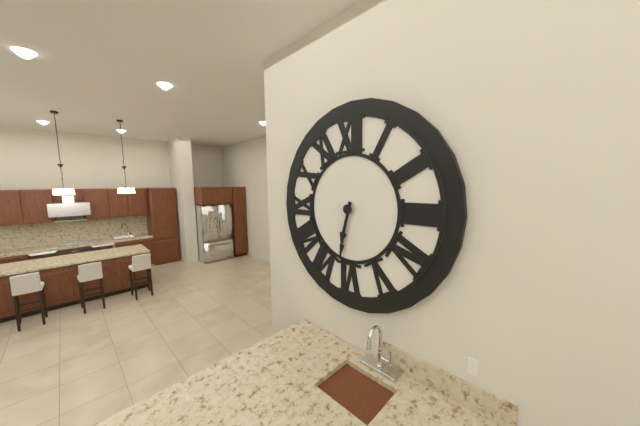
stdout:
6:32
